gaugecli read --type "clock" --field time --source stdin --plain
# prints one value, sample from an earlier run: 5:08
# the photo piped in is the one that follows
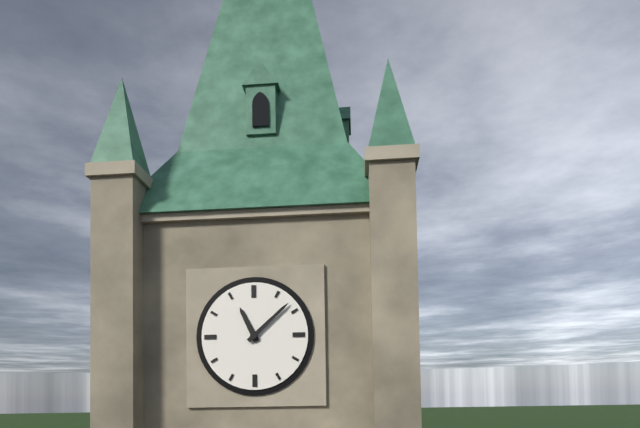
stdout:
11:08
